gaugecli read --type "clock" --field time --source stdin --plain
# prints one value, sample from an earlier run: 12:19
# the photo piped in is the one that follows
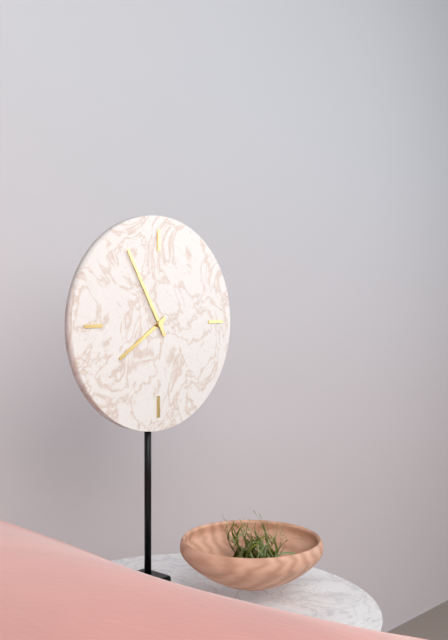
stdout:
7:55
